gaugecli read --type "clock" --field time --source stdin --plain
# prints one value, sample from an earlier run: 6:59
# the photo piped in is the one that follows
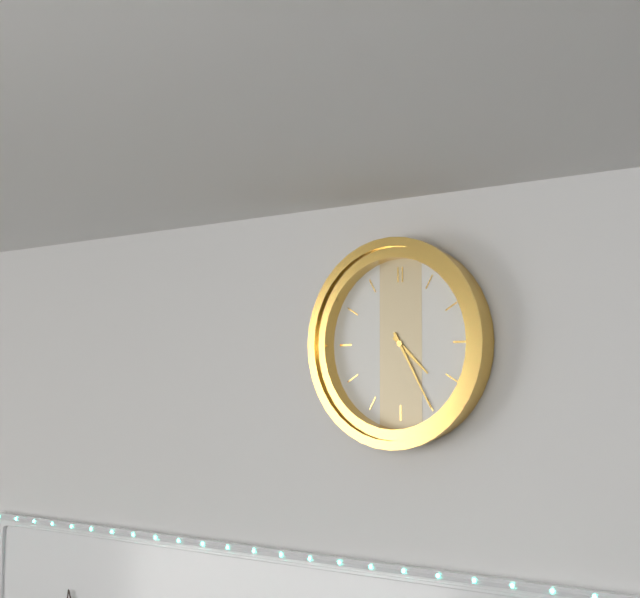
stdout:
4:25
